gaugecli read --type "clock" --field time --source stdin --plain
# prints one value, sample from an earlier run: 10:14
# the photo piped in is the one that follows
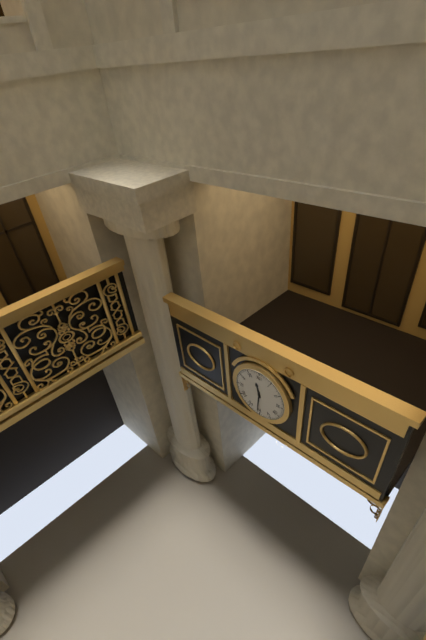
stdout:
11:31
